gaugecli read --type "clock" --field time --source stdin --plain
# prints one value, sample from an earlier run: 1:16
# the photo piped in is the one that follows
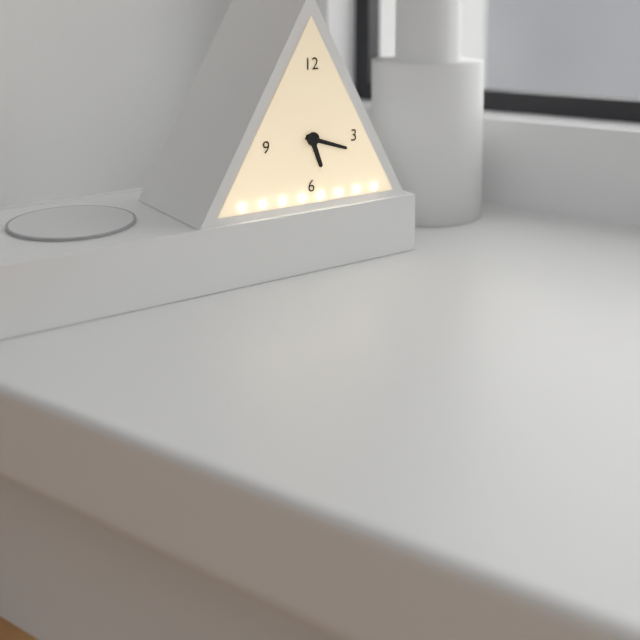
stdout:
5:18
